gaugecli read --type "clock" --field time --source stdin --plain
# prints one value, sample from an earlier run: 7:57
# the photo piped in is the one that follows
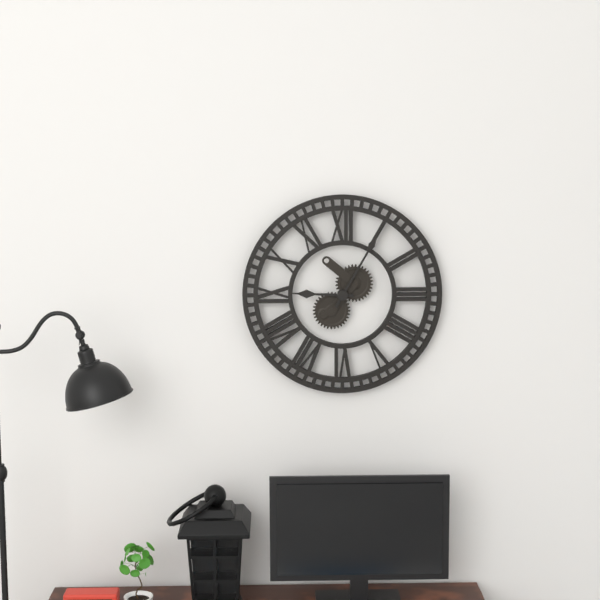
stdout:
9:05
